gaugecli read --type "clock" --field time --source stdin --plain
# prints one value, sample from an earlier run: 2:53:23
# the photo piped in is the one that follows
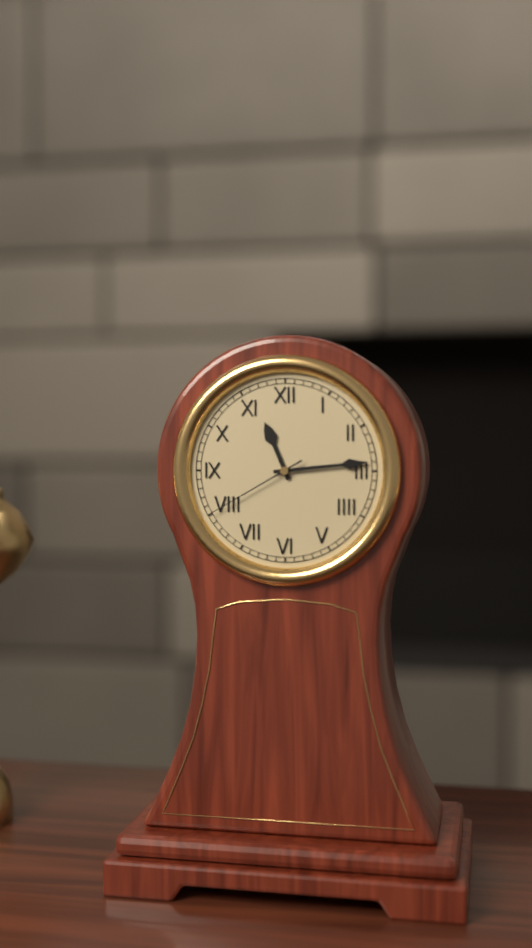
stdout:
11:14:40
